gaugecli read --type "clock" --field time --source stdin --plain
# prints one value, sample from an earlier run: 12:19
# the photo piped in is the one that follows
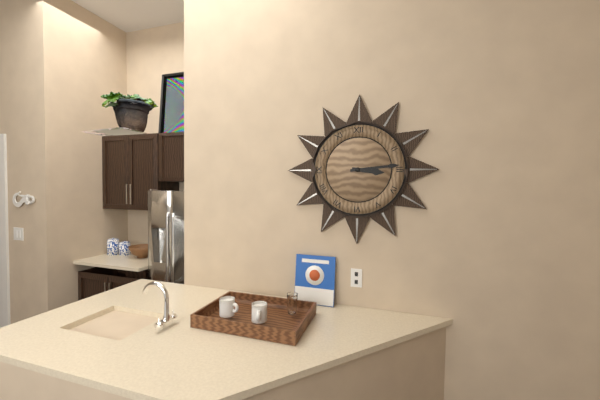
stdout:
3:14
